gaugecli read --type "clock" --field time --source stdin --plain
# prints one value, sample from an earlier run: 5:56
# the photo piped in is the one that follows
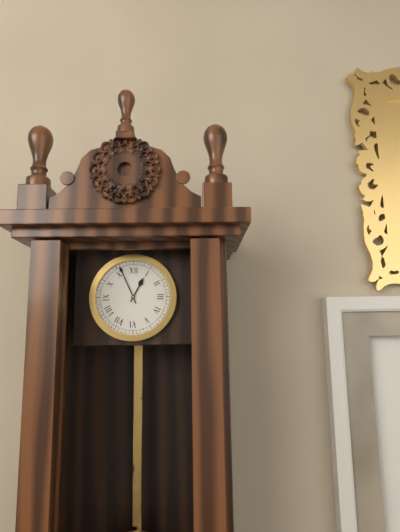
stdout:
12:56
